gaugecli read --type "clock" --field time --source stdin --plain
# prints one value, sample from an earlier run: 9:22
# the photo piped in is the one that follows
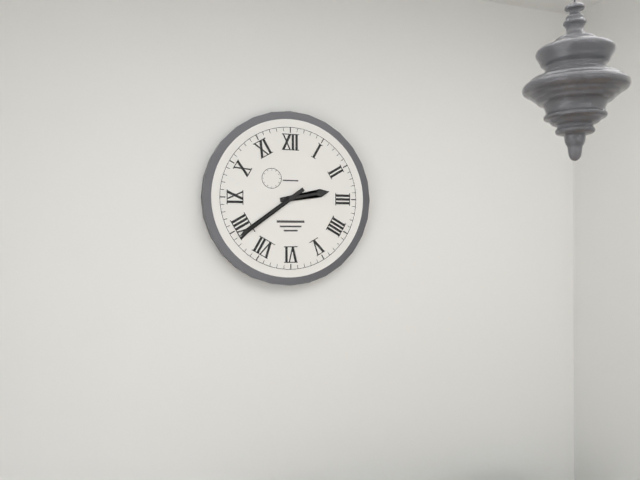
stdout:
2:39
